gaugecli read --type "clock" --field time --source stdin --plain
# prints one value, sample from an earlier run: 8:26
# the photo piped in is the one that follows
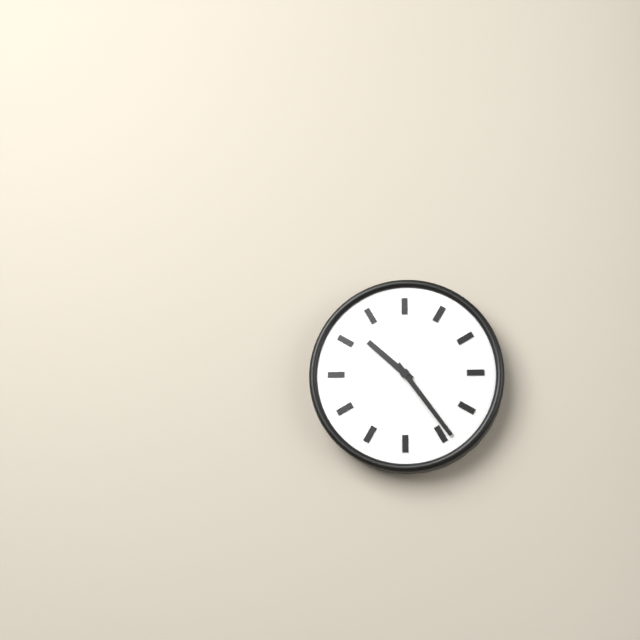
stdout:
10:24
